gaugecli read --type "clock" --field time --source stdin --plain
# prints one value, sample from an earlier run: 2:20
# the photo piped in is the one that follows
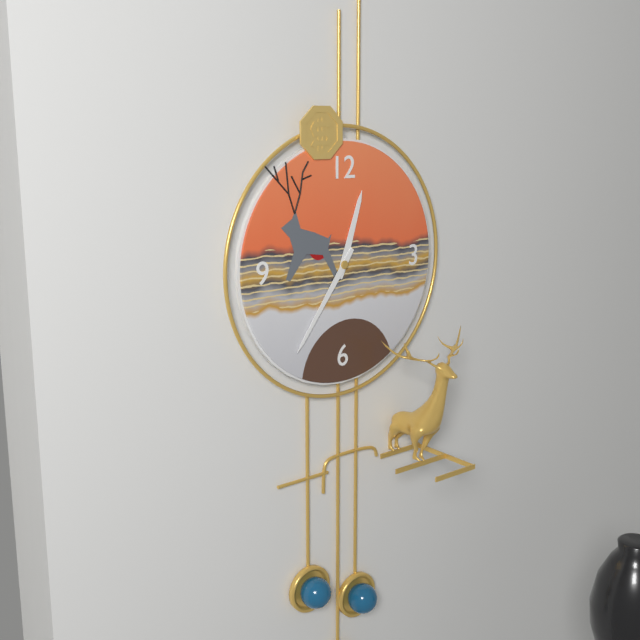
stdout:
12:36
